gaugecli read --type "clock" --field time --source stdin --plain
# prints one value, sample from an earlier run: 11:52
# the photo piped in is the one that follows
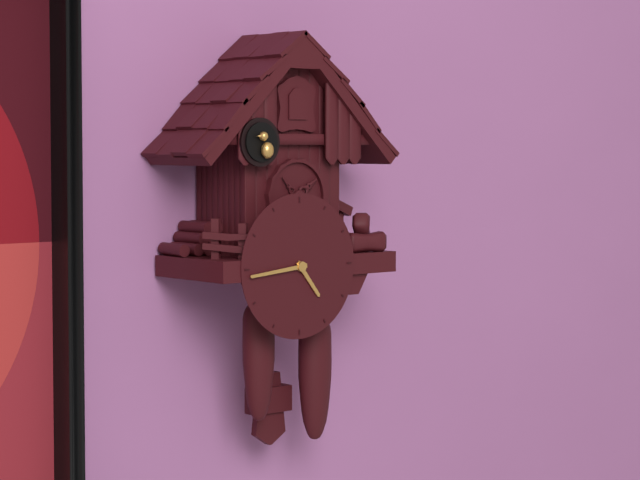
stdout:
4:44
